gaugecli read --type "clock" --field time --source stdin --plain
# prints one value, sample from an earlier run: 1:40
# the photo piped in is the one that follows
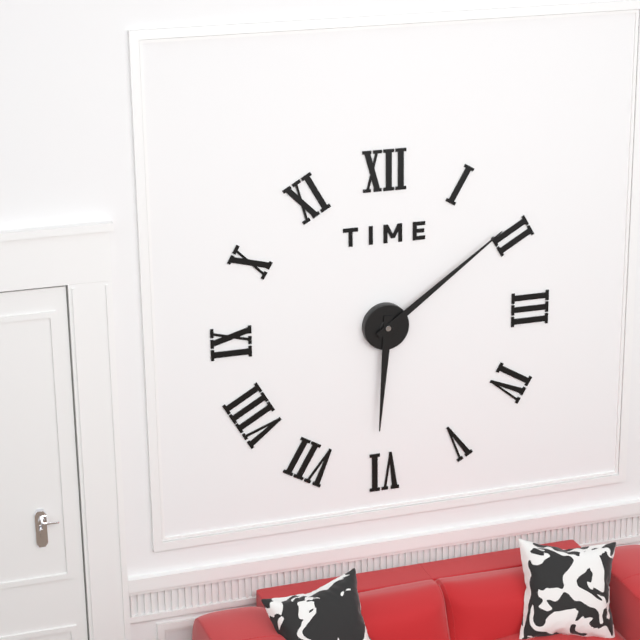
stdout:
6:09
